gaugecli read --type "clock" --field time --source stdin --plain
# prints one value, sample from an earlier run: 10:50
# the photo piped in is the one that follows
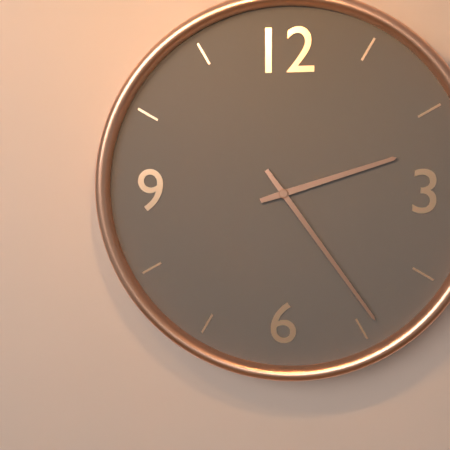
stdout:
2:24
